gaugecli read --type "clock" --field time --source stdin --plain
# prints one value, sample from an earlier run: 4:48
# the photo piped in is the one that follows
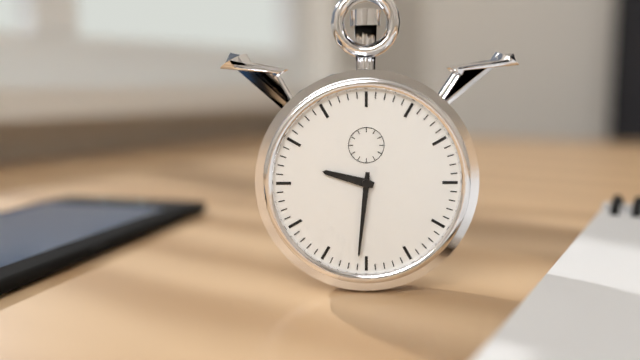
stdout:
9:31
